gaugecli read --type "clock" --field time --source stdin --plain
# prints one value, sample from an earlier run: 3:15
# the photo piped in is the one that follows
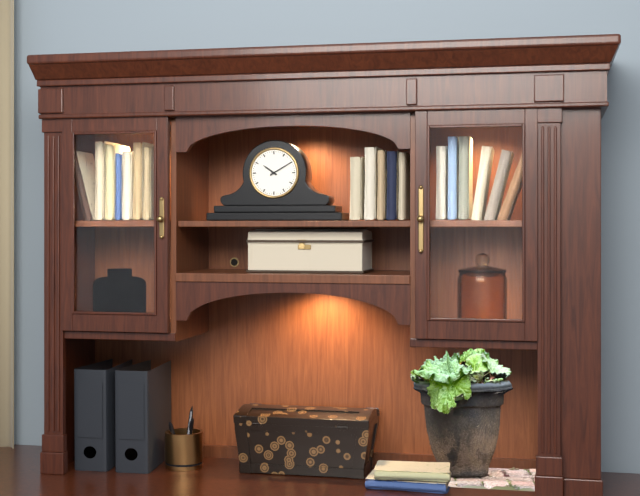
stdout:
10:10
